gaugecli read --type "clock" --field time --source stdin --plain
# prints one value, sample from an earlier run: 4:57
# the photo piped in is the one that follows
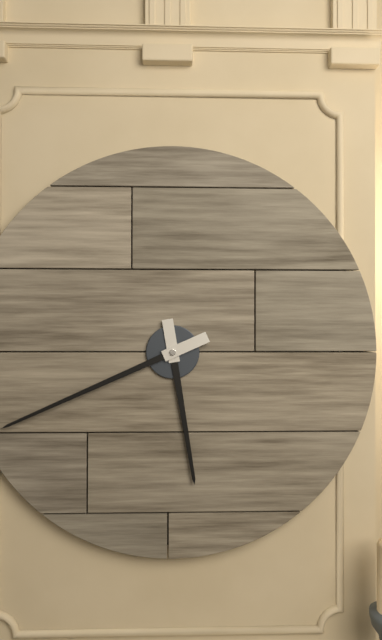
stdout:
5:41
